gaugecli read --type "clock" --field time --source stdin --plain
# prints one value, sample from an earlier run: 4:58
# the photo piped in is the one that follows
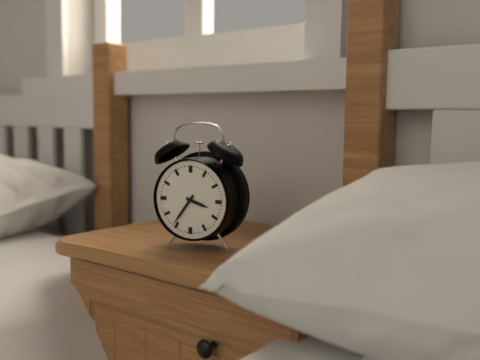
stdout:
3:36
